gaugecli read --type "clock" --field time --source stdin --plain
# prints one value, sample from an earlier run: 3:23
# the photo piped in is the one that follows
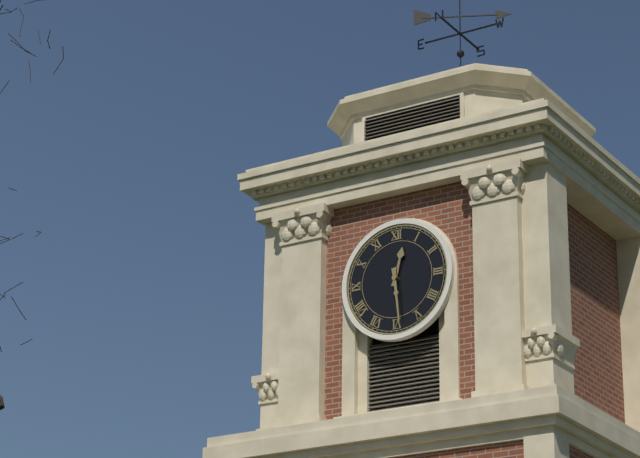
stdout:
12:29
